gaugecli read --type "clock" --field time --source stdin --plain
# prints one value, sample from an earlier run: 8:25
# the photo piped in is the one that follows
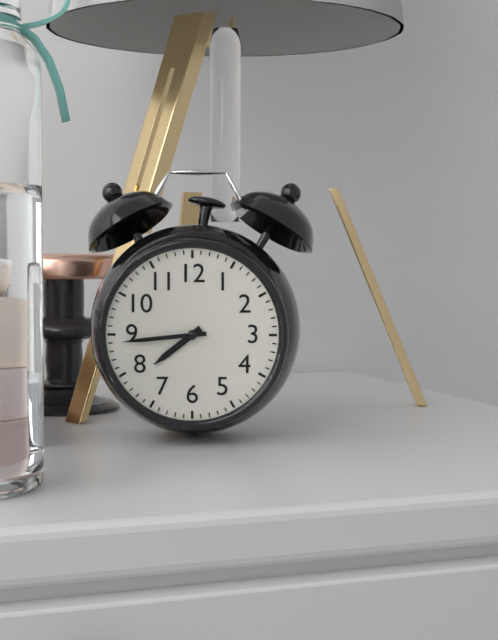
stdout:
7:44
